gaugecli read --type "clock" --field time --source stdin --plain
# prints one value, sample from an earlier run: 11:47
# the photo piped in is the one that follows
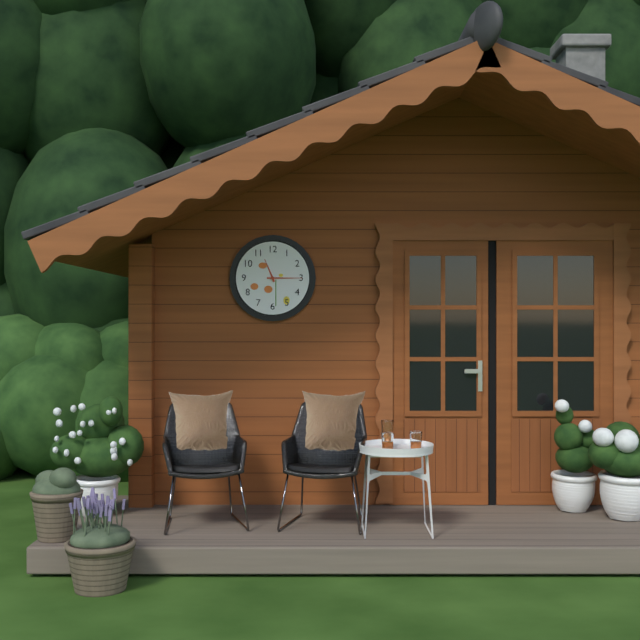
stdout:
11:15
